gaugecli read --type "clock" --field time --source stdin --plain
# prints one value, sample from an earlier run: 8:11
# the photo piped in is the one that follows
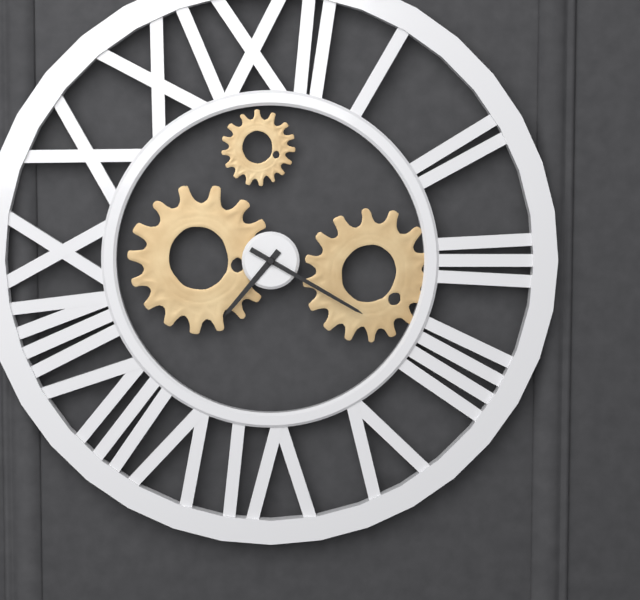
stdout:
7:20
